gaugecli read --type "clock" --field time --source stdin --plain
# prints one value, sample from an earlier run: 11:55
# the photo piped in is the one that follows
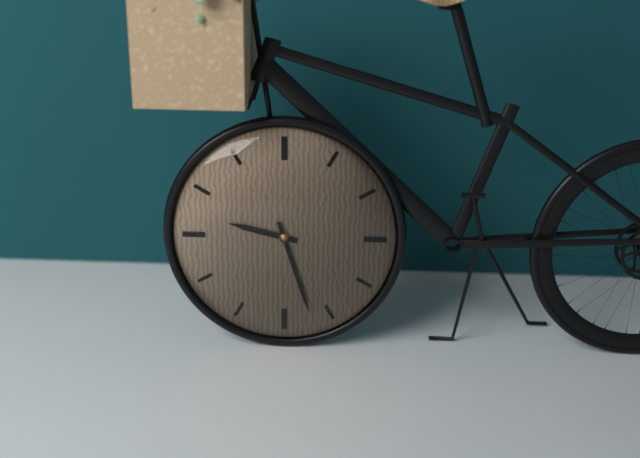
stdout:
9:27
